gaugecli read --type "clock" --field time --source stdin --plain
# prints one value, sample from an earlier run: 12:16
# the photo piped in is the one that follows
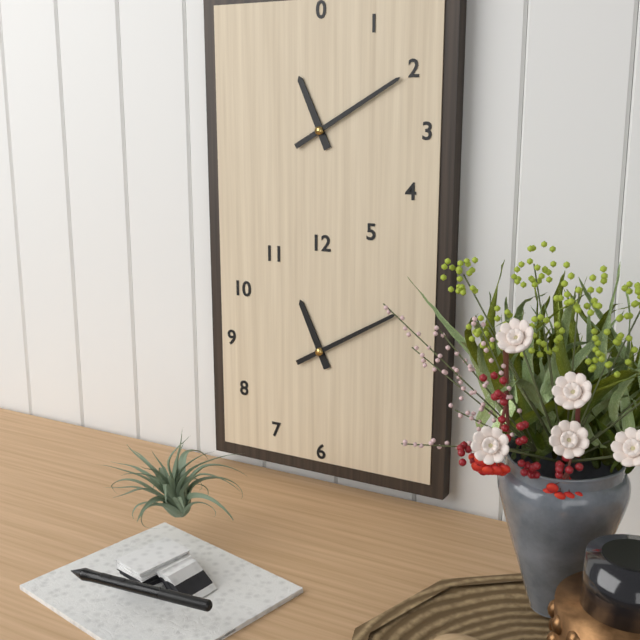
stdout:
11:10
